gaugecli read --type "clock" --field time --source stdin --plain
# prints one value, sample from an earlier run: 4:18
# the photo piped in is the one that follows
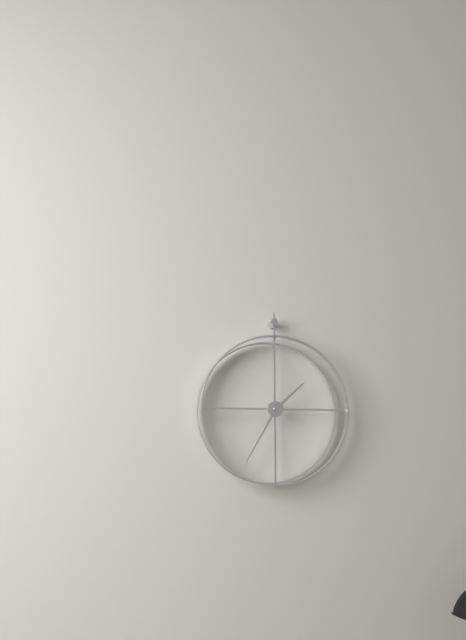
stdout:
1:35
